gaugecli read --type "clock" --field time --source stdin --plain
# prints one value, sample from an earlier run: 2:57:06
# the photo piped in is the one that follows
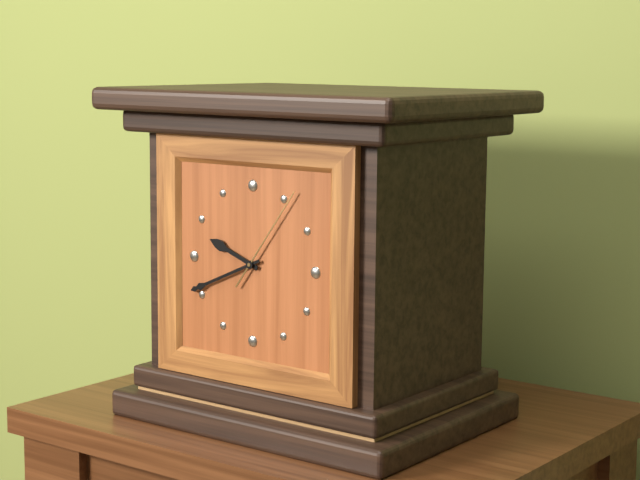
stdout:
9:41:06
